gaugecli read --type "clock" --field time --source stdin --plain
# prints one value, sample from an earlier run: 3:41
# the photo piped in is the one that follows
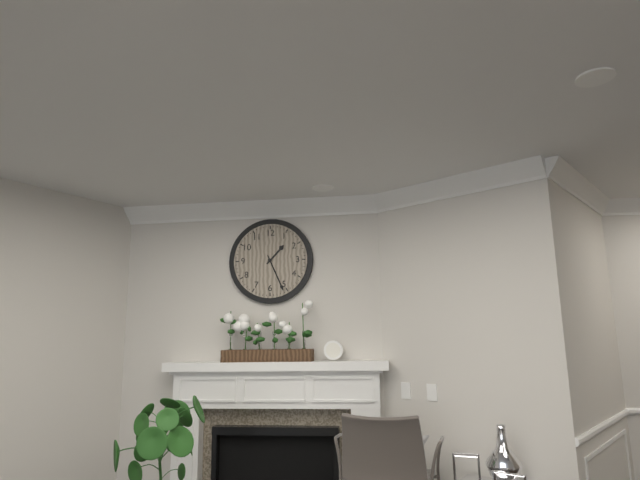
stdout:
1:26
